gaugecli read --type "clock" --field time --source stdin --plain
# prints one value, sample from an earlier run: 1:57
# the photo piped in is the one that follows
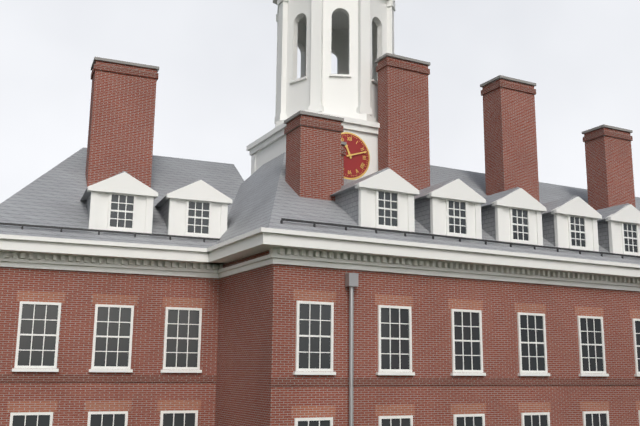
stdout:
11:12
